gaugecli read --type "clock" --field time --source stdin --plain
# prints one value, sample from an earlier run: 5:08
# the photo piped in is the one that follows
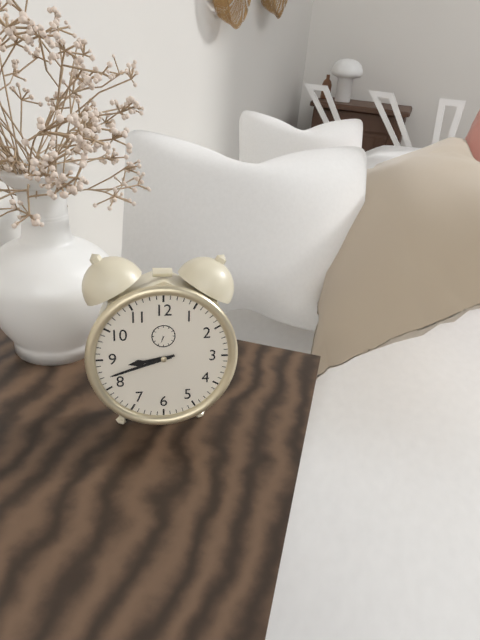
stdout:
8:42
